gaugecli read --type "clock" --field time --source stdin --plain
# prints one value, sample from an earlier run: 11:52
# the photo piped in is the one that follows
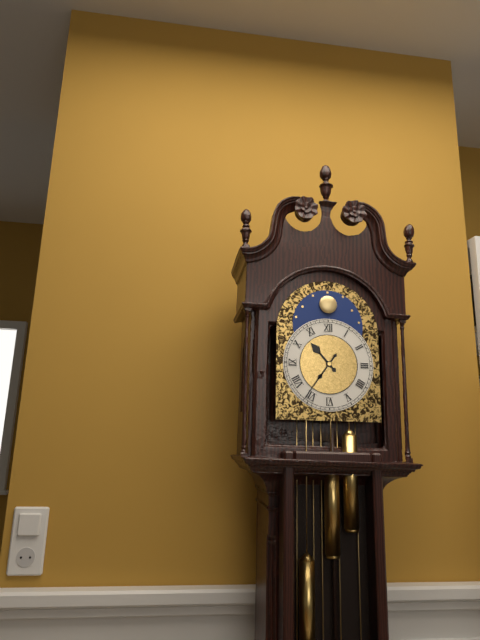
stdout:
10:36
